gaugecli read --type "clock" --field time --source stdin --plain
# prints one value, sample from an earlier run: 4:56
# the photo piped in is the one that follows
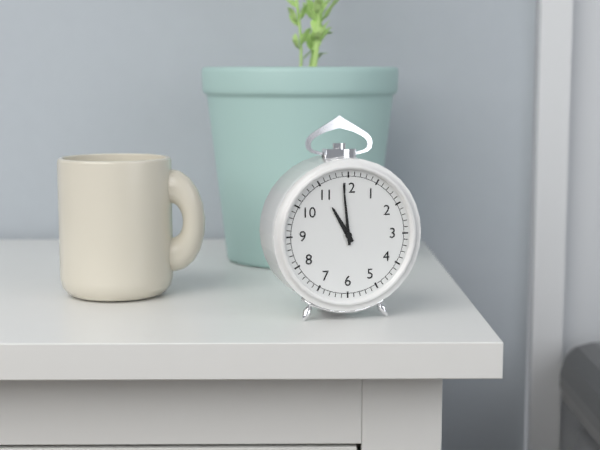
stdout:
10:59
